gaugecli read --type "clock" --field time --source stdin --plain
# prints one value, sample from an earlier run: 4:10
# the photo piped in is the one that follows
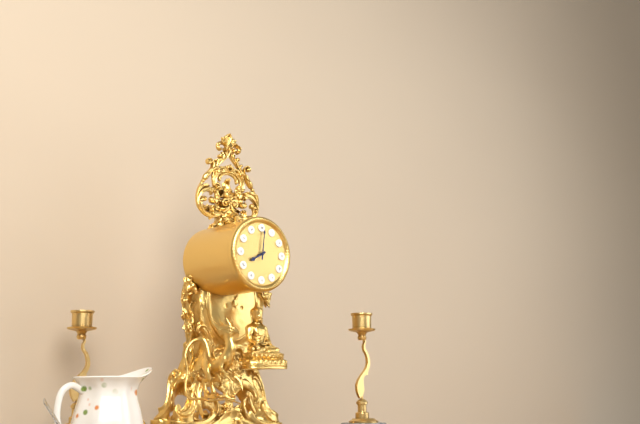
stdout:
8:01
